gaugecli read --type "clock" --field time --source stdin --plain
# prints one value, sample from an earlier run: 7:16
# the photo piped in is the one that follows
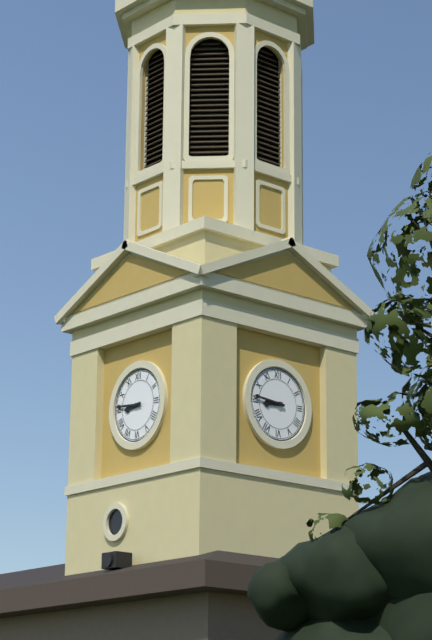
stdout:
8:46
